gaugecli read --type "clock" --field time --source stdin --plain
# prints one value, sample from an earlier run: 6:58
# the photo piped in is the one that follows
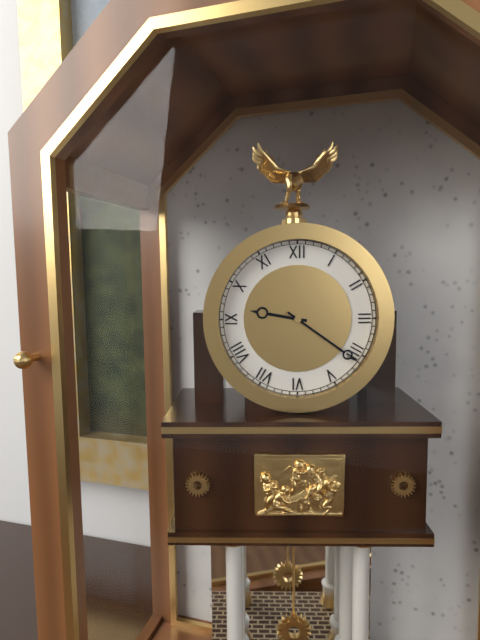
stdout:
9:21
